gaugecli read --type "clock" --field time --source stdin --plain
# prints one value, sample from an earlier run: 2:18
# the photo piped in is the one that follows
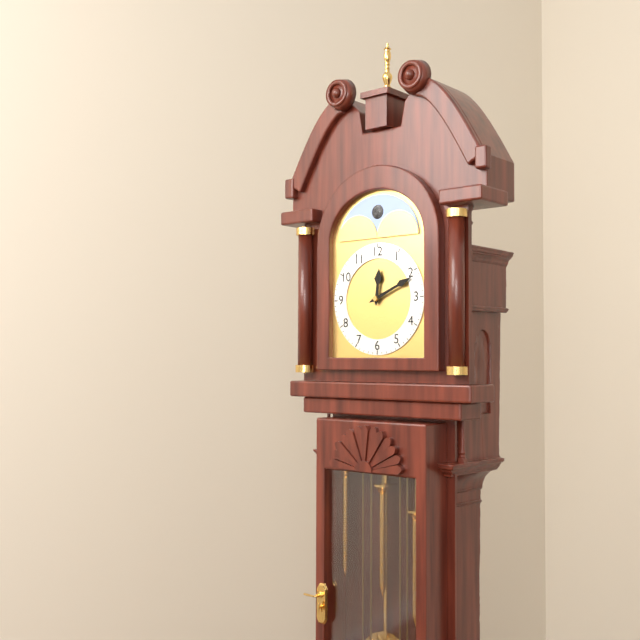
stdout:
12:11
